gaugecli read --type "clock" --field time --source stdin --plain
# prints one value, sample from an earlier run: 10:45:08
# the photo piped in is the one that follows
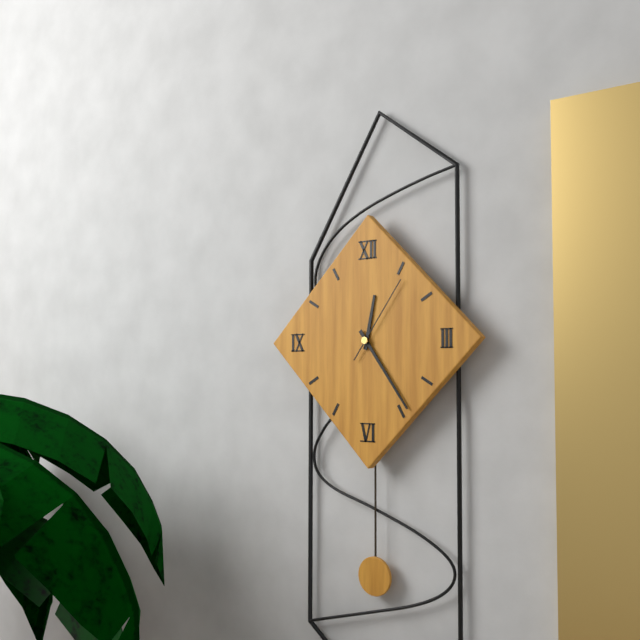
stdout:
12:24:06
